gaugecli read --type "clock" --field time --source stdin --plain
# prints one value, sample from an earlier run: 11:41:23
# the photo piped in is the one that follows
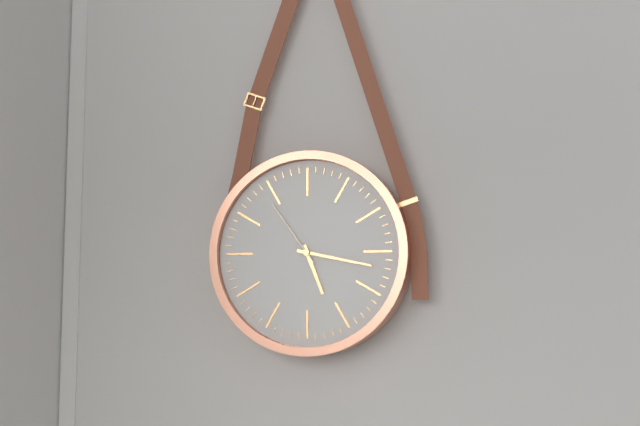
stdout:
5:17:54
